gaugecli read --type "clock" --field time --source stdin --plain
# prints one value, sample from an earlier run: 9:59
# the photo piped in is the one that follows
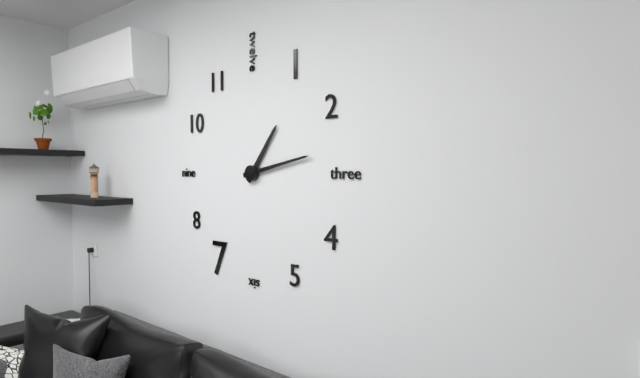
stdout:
1:13
